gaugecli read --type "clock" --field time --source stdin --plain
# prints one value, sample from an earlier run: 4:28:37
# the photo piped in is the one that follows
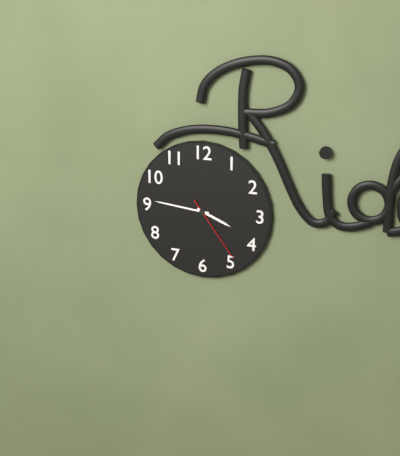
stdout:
3:46:24
